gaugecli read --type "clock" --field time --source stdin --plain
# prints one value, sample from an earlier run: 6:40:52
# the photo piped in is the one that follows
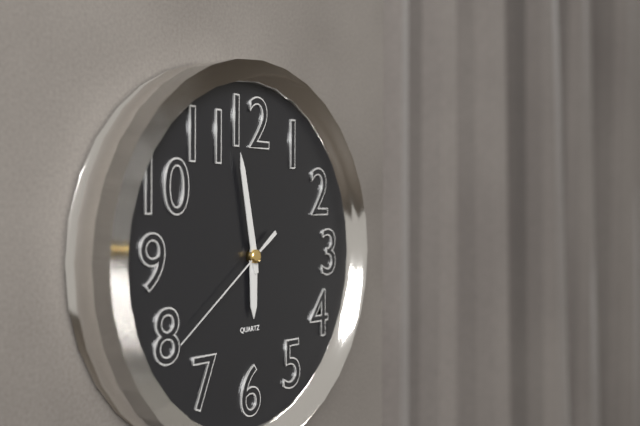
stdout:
5:58:39
